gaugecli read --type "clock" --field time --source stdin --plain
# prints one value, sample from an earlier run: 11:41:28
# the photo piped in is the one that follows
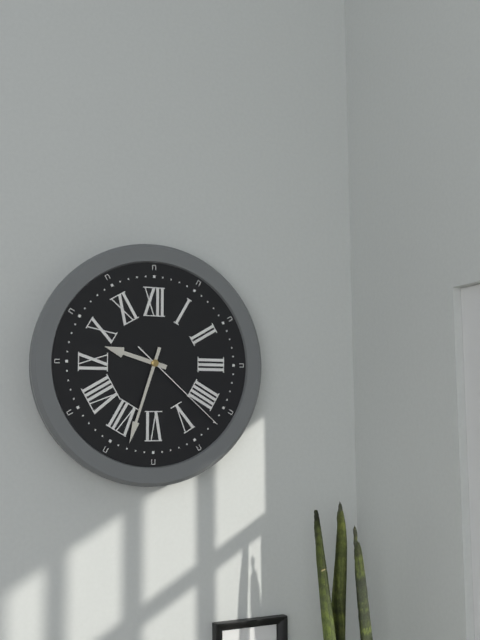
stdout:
9:33:22
